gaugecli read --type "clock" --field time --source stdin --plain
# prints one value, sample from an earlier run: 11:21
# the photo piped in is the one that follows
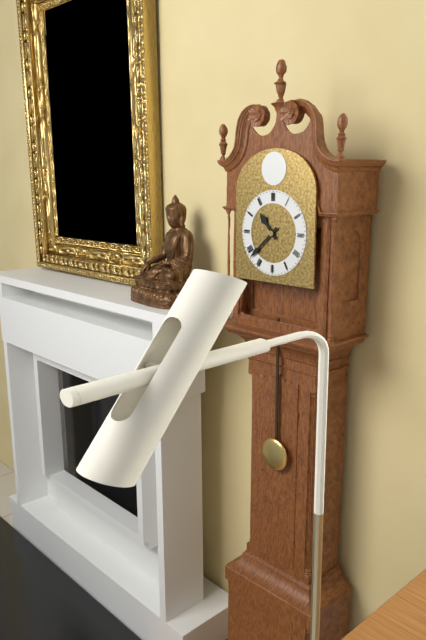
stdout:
10:38
